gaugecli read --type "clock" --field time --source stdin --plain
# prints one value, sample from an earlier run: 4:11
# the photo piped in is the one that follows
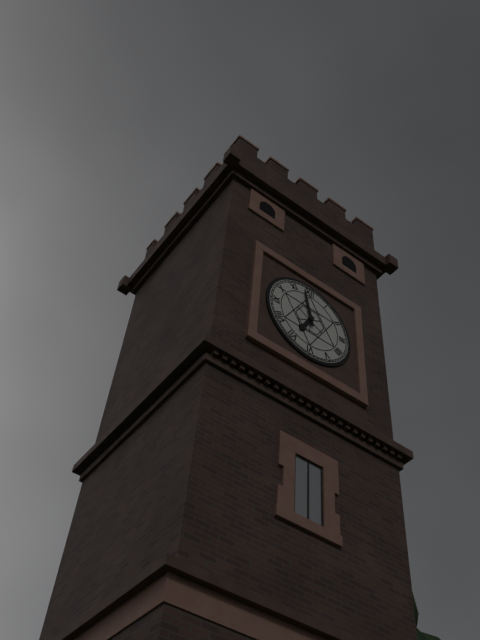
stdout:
6:58
